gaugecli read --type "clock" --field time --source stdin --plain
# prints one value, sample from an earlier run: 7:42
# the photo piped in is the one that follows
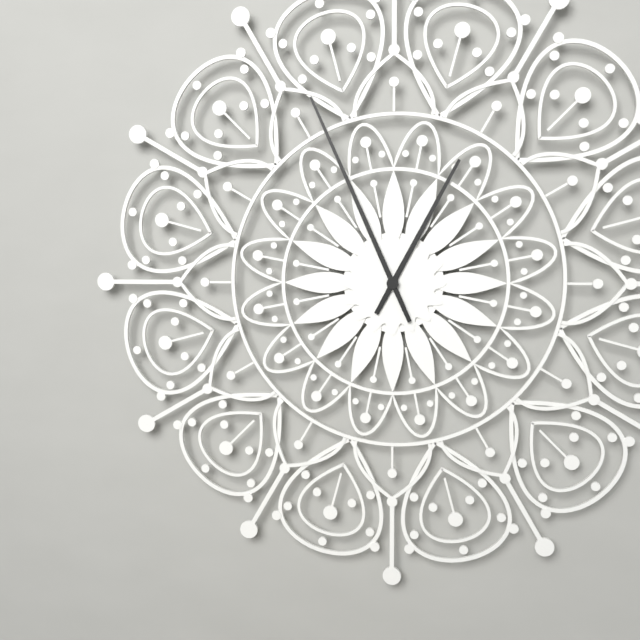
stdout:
12:56
